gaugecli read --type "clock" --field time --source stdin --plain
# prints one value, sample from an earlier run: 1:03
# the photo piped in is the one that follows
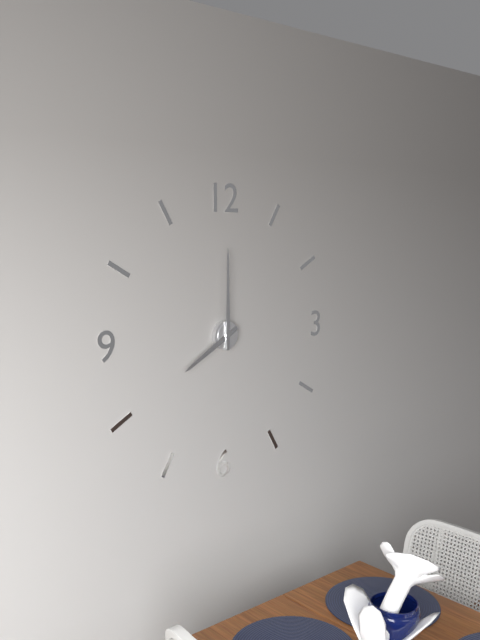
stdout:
8:00
